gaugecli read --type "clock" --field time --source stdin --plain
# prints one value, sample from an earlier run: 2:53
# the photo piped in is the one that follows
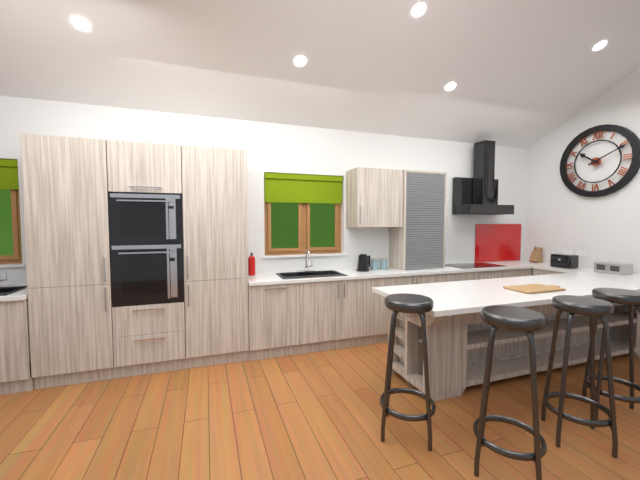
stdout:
10:11
